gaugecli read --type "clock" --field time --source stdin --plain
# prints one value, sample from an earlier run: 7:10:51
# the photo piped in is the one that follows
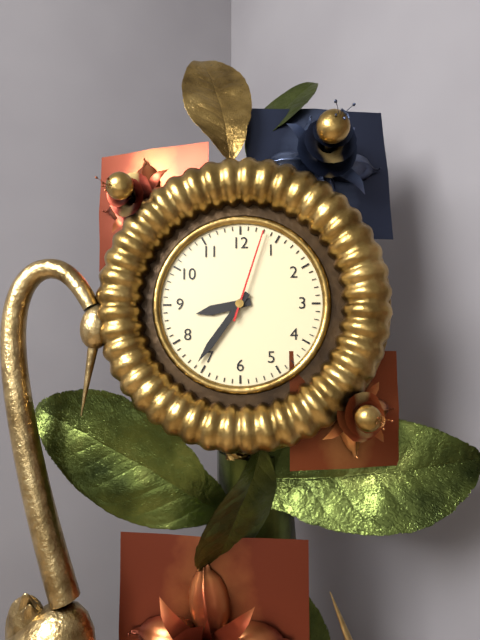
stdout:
8:36:03
